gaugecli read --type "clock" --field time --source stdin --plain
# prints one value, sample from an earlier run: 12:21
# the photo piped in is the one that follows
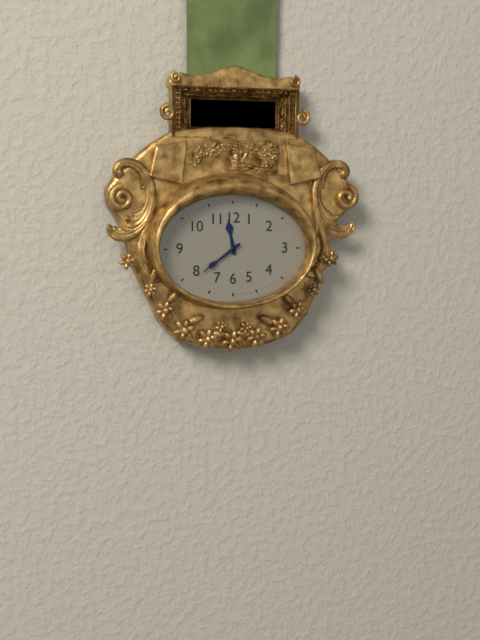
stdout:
11:39
